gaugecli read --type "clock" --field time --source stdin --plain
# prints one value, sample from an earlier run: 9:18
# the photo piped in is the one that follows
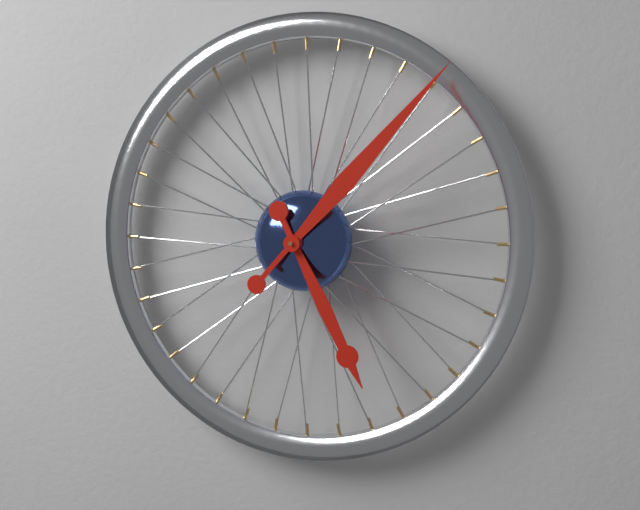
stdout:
5:07
